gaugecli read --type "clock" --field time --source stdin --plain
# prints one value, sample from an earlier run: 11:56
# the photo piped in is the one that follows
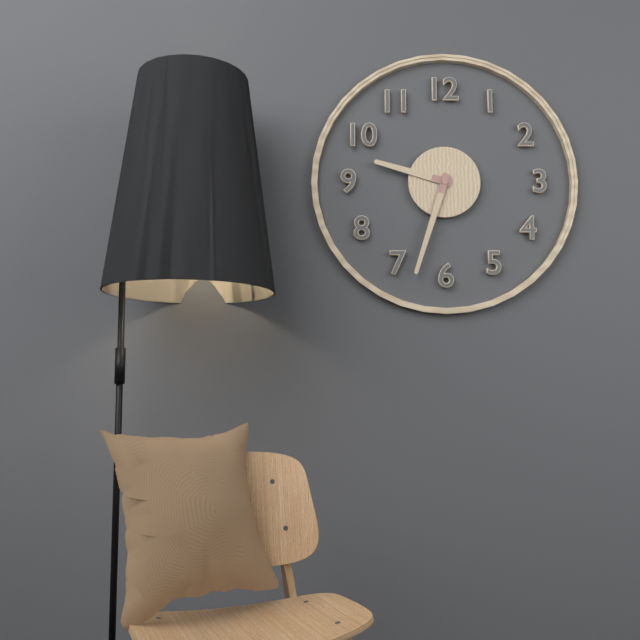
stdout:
9:33
